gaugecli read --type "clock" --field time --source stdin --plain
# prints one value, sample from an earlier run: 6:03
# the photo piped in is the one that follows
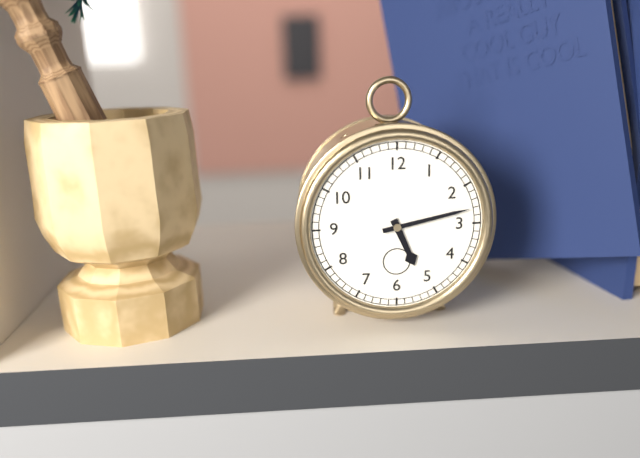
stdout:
5:13
